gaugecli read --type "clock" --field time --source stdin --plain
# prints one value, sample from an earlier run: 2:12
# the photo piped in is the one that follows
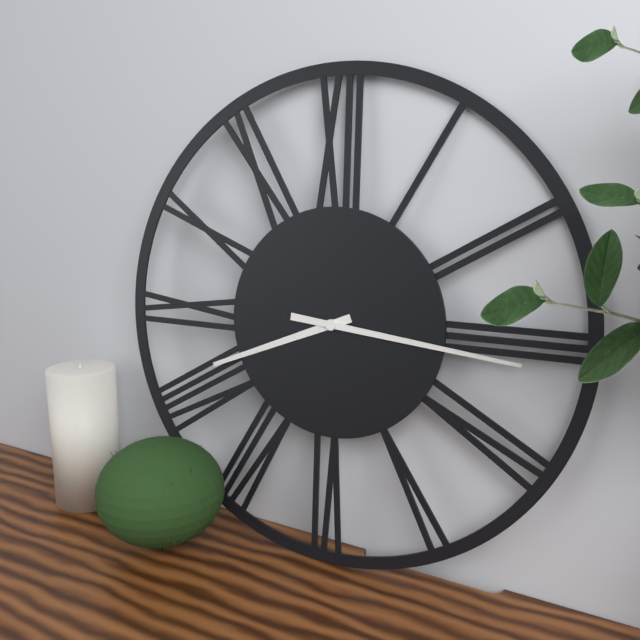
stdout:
8:16
